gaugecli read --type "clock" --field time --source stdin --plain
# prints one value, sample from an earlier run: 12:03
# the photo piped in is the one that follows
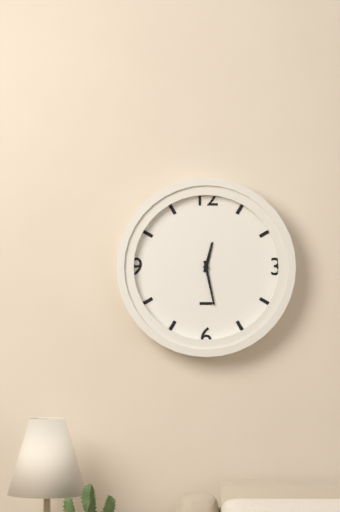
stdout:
12:28
